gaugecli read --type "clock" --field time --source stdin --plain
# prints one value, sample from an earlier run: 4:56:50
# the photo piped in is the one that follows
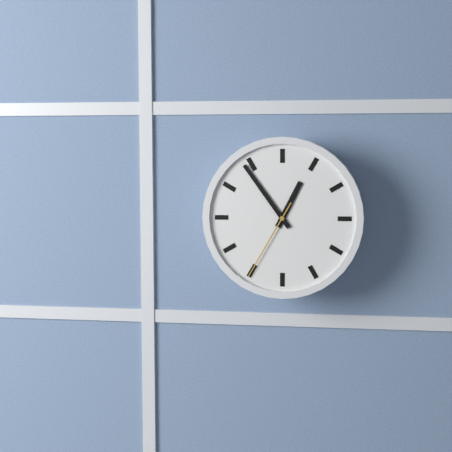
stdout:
12:54:35
